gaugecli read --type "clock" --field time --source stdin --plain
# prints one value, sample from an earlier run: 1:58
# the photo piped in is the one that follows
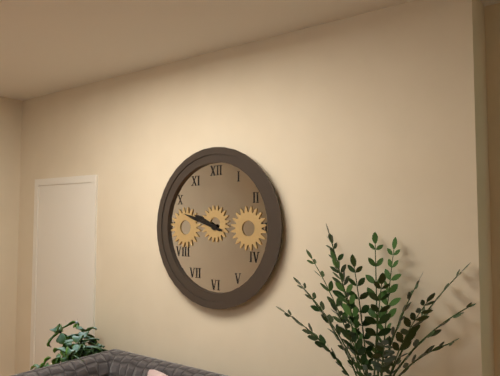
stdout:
9:48
